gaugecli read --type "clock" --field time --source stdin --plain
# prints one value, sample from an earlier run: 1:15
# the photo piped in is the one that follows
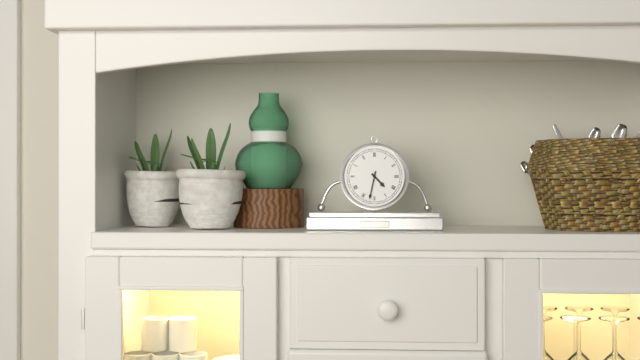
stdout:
4:32
